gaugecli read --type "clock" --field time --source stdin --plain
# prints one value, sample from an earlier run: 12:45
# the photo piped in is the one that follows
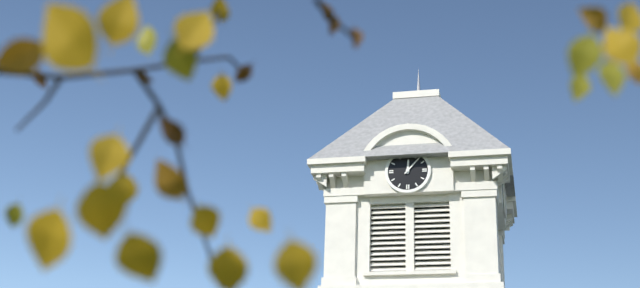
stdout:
12:07
